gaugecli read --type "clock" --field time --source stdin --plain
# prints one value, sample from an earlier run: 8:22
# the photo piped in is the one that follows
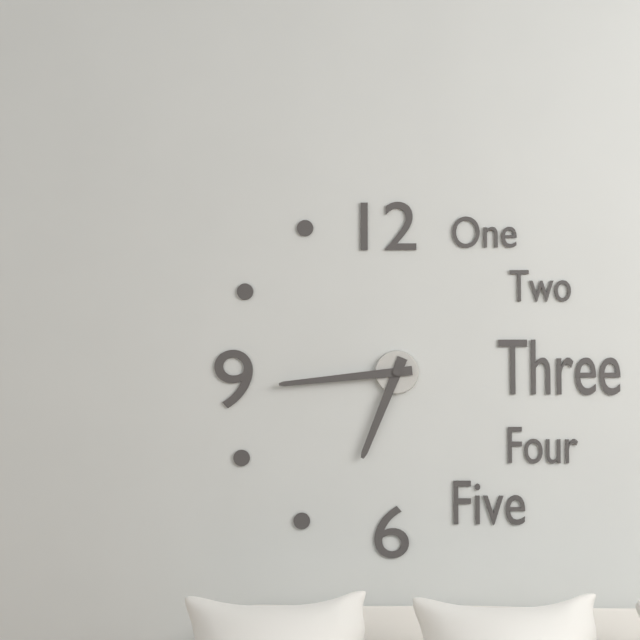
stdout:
6:44
